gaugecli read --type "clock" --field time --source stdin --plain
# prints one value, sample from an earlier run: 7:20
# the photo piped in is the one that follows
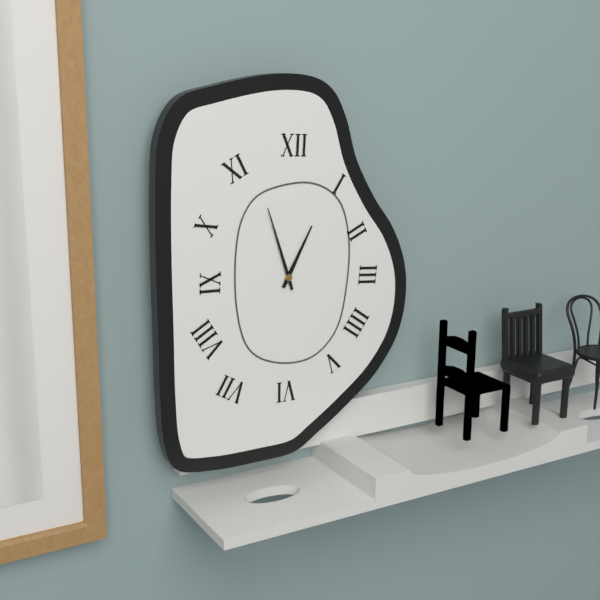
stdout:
12:57
